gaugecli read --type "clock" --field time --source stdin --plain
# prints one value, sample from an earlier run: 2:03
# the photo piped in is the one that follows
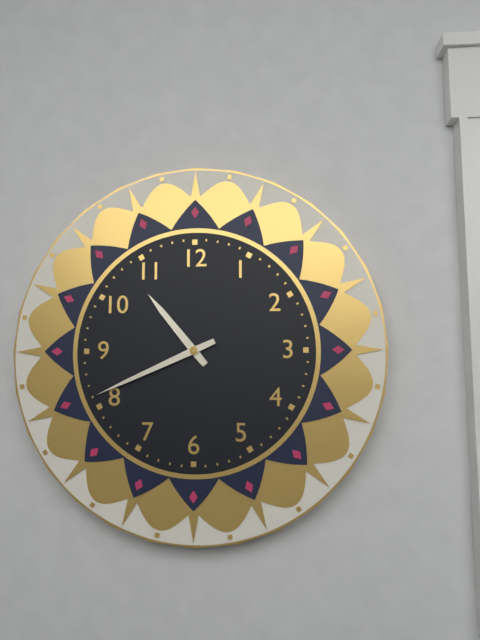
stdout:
10:41
